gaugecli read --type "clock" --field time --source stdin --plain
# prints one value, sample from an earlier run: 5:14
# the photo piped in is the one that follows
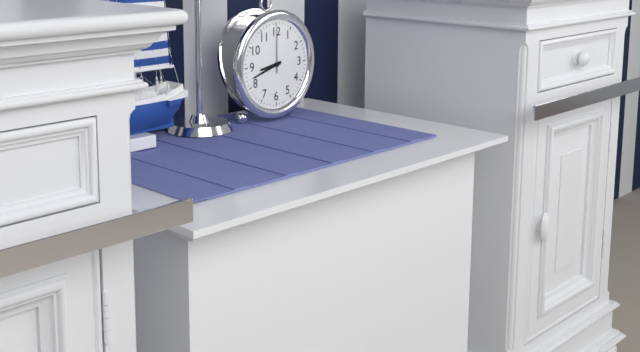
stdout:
8:42
